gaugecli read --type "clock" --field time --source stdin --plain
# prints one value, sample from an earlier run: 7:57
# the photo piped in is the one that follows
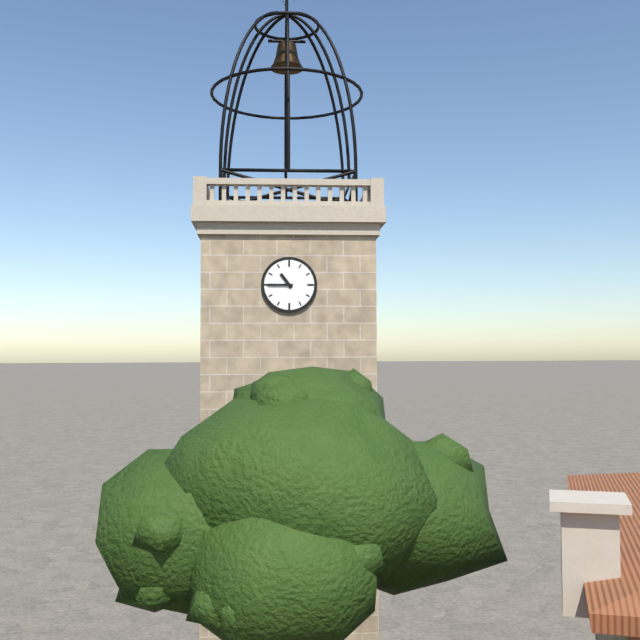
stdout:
10:45
